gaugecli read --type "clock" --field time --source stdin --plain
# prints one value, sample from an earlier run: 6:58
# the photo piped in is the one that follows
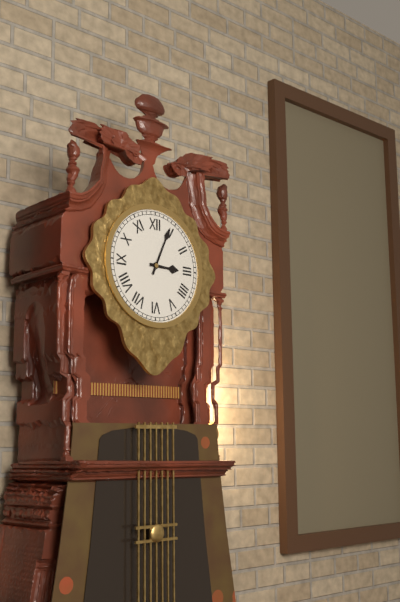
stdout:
3:04
